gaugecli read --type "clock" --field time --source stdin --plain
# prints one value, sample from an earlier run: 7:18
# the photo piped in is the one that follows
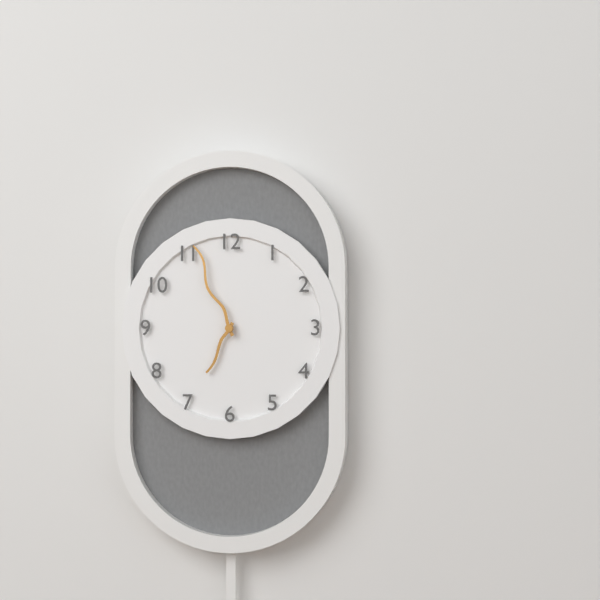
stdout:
6:56
